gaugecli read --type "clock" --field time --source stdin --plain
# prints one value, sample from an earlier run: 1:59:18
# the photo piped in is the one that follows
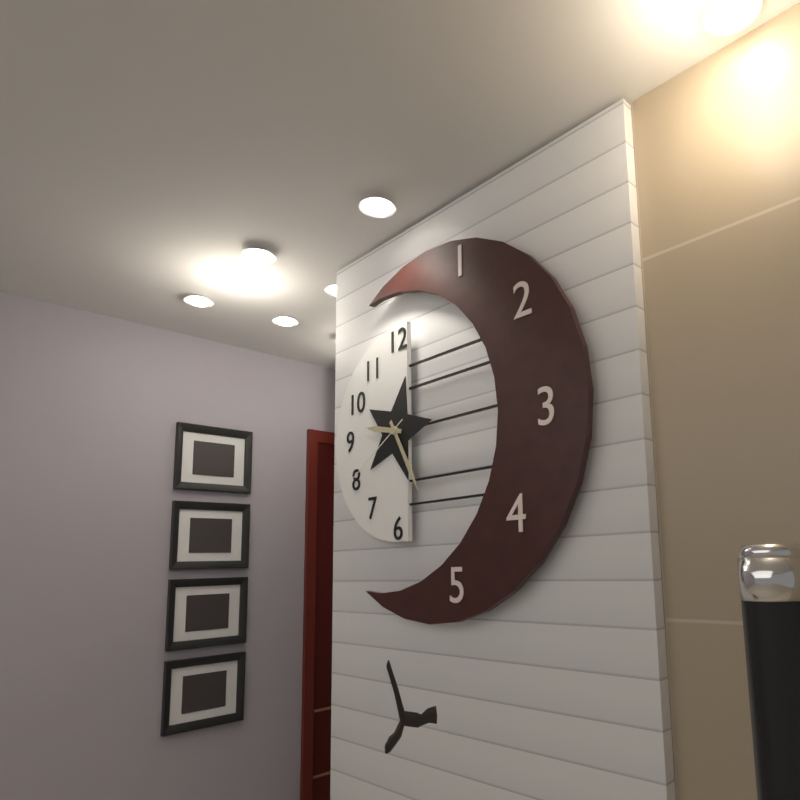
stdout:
9:25:40
